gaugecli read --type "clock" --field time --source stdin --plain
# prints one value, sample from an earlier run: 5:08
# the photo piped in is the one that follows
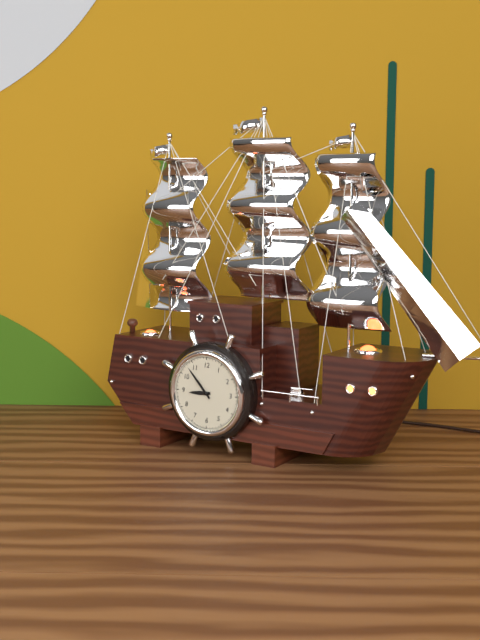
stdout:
8:53
